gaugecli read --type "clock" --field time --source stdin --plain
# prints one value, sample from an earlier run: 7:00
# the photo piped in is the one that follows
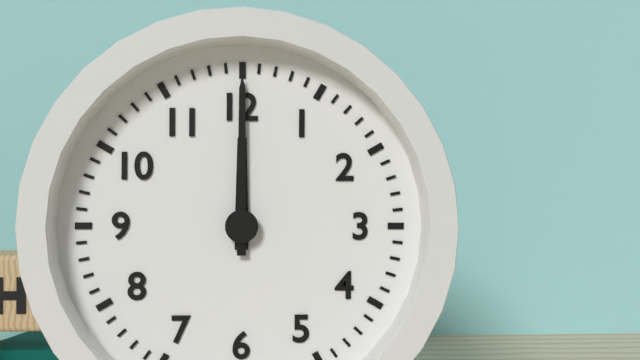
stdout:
12:00
